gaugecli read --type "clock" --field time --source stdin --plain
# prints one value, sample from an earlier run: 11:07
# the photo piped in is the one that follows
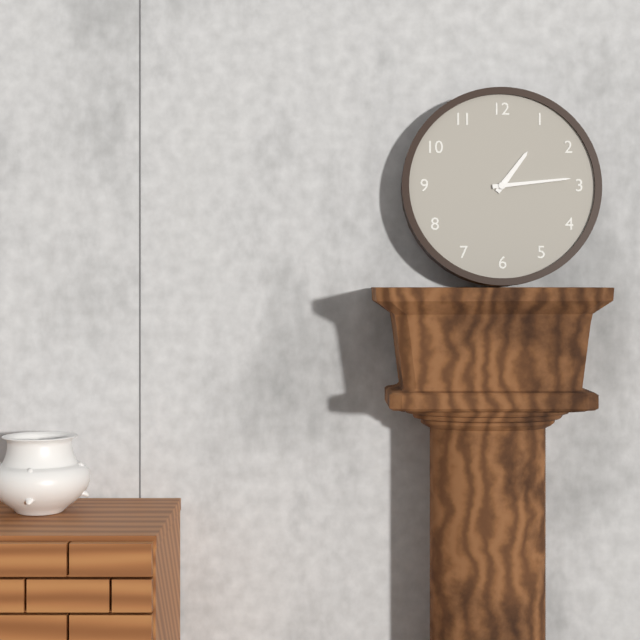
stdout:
1:14
